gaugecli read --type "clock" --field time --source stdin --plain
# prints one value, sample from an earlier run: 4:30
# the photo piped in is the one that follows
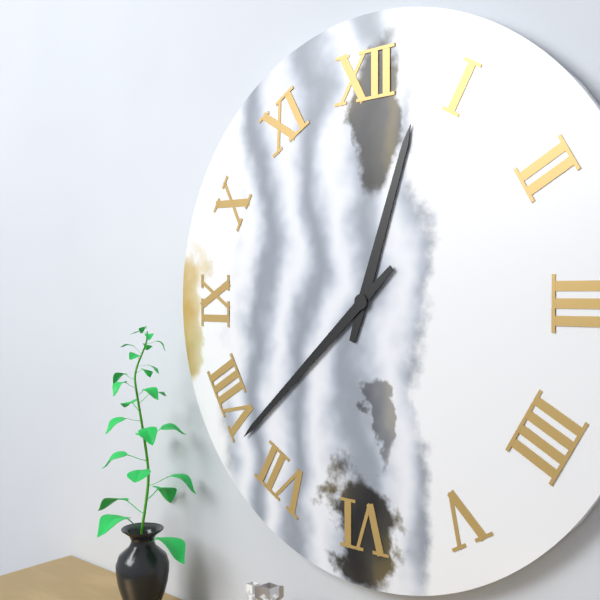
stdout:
12:38
